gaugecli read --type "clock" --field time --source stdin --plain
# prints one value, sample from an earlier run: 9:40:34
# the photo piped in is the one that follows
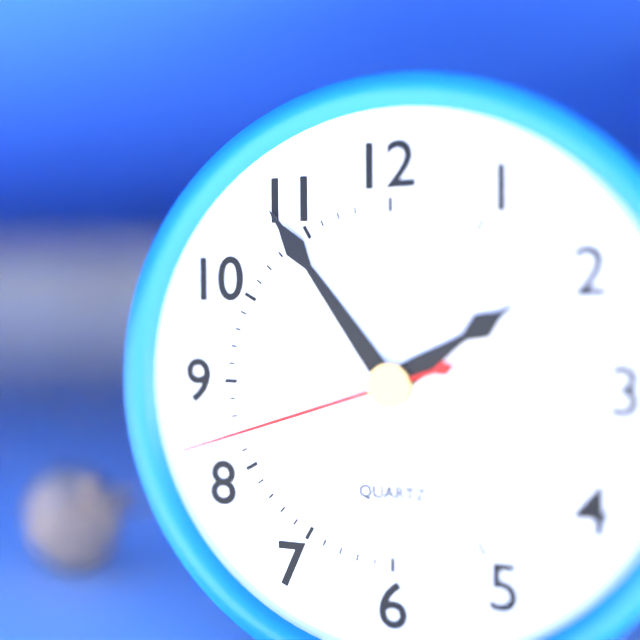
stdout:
1:54:42
